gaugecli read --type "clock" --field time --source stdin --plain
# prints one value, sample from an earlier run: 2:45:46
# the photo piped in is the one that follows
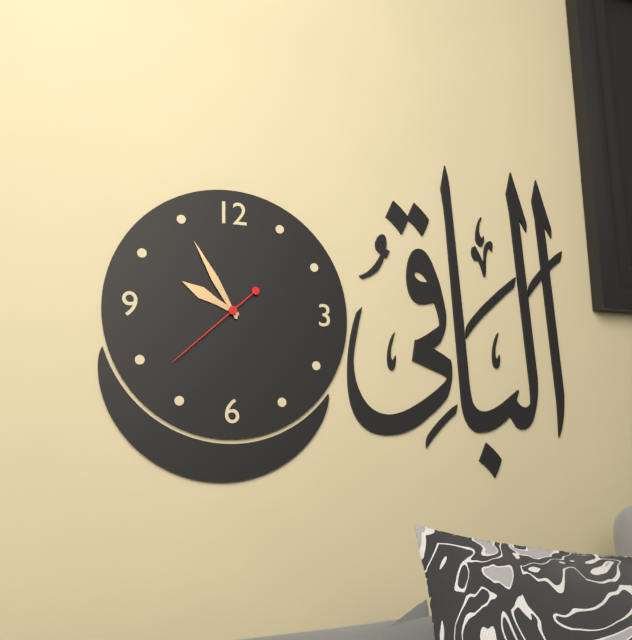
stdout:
9:55:38
